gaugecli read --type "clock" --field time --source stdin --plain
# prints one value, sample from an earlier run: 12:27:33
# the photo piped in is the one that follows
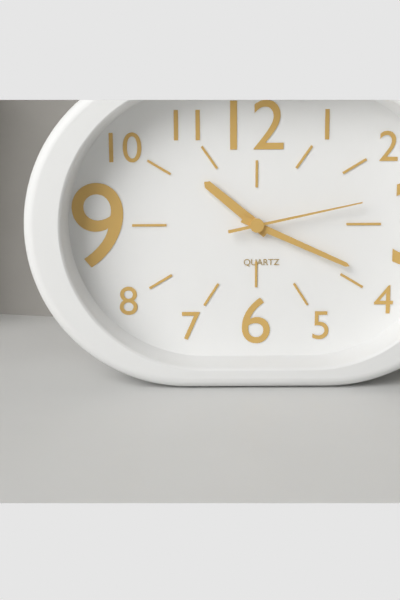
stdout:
10:19:13
